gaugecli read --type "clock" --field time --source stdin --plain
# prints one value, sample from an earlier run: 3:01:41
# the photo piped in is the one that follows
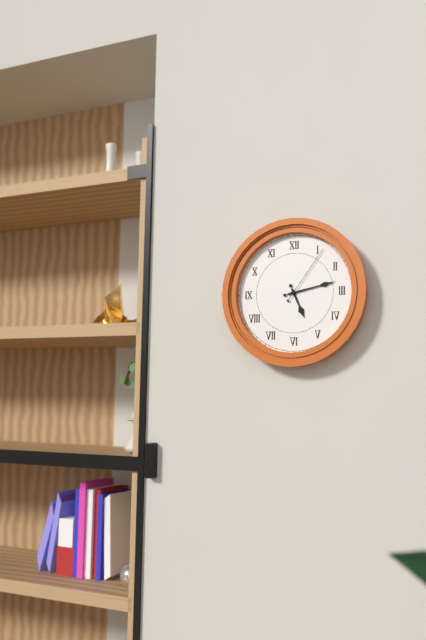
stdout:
5:13:06
